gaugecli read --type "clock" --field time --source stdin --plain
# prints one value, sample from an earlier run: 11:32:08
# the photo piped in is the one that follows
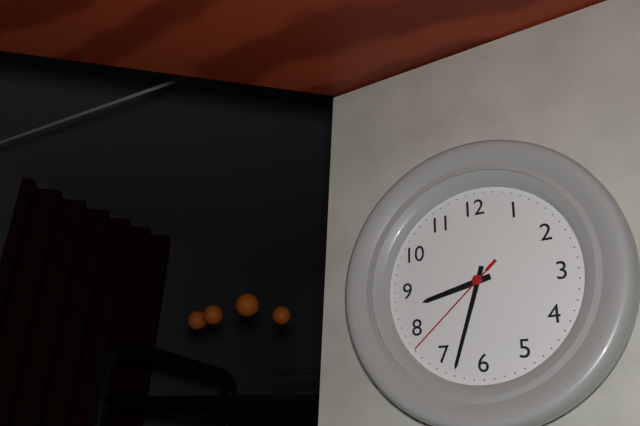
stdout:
8:33:38
